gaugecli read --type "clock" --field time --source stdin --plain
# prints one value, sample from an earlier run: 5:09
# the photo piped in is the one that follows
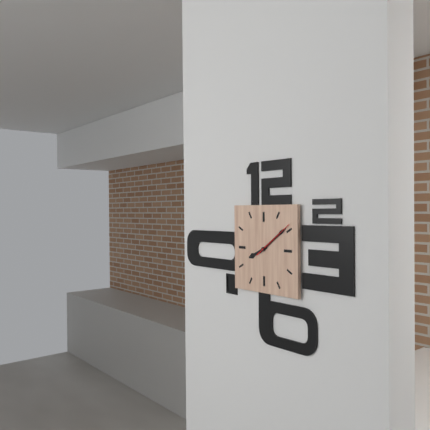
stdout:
8:09
